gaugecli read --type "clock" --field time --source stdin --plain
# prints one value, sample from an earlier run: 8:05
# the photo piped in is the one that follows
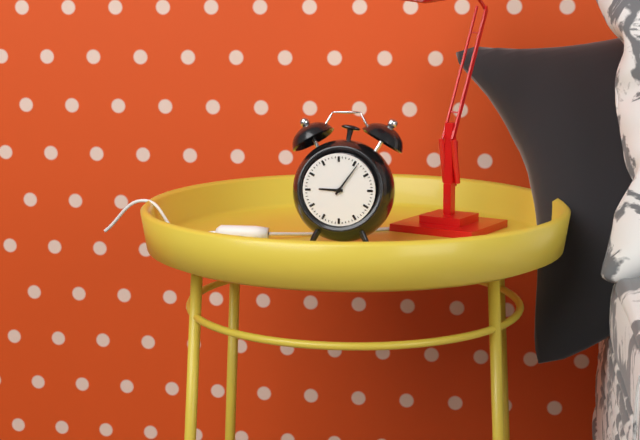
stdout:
9:06
